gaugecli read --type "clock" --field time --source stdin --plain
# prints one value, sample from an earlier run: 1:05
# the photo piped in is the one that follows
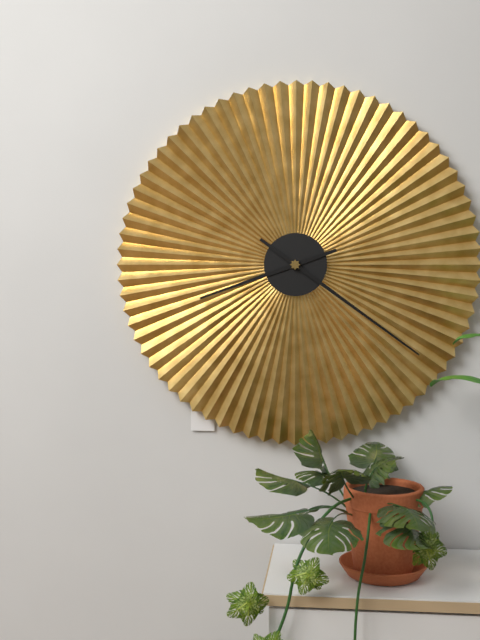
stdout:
8:21
